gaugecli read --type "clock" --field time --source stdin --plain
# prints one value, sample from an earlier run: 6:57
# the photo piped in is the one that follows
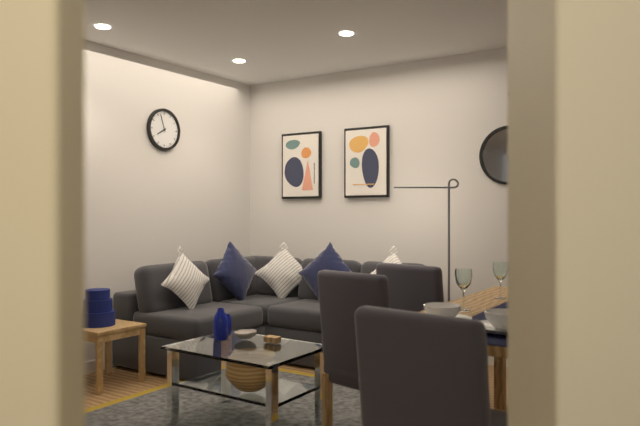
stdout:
7:57
